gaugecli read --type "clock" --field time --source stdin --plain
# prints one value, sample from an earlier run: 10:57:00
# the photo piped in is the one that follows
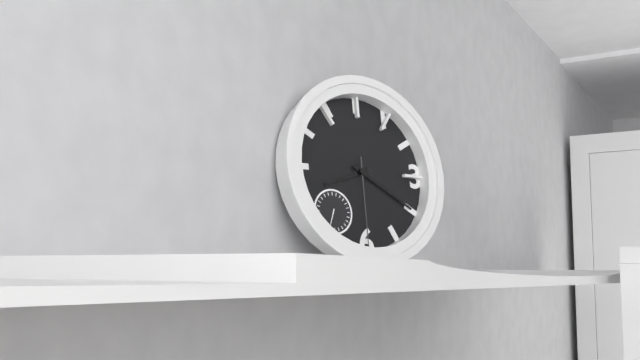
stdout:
8:20:30
